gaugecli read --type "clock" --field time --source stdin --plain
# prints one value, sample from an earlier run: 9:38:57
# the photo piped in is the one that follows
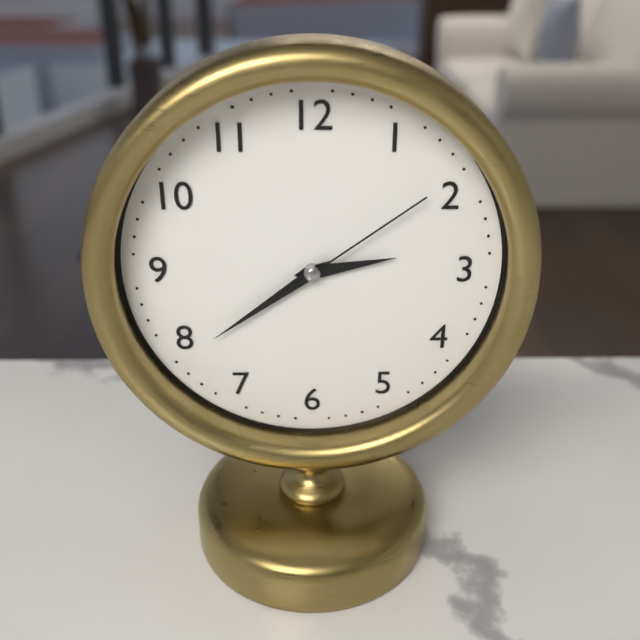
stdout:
2:39:09
